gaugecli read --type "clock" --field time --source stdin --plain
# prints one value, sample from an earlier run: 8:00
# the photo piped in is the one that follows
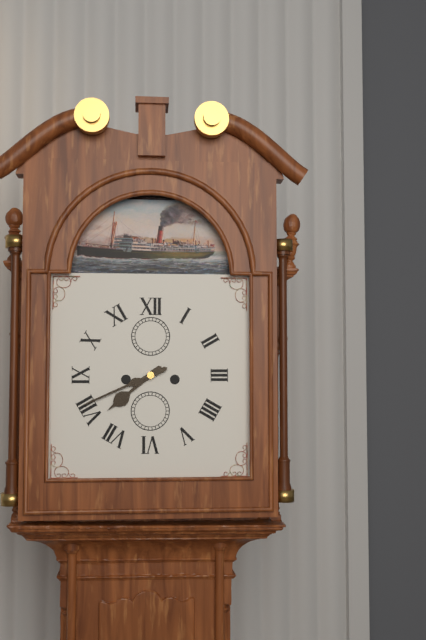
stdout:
7:41
